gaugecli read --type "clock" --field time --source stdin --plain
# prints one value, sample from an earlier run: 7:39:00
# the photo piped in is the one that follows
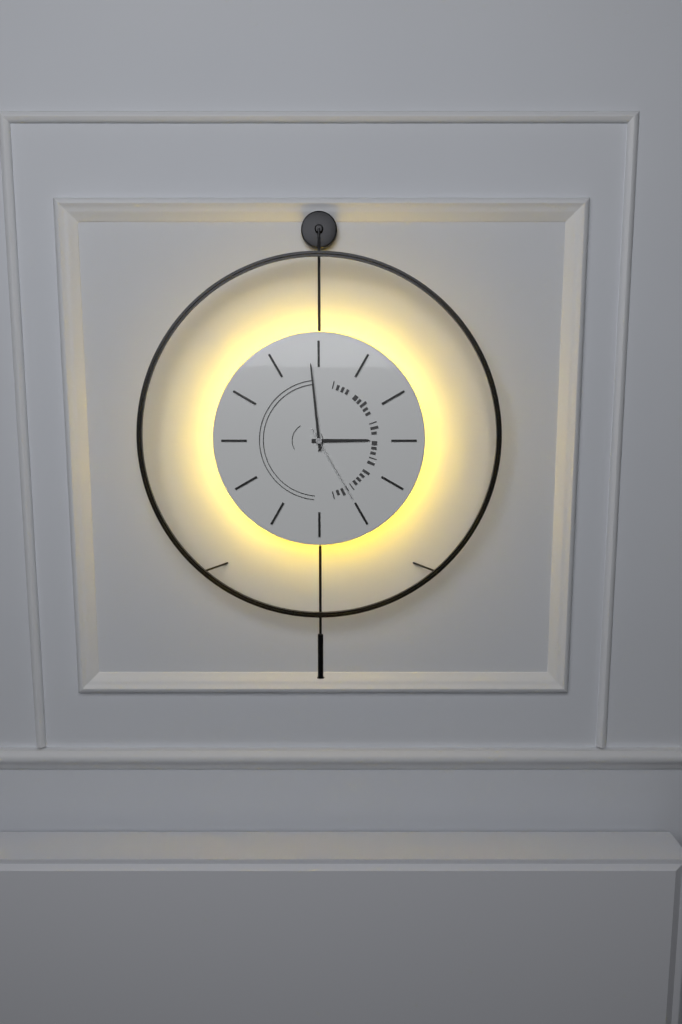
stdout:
2:59:25
